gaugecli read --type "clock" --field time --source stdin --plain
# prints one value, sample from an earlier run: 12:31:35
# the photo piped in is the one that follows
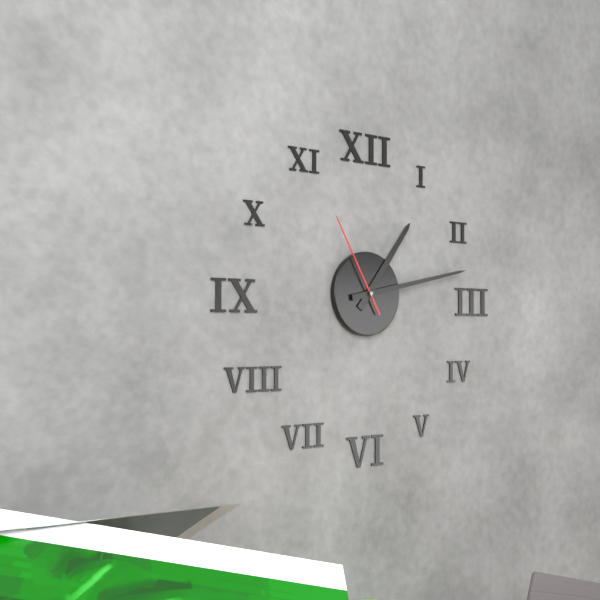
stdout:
1:13:55
